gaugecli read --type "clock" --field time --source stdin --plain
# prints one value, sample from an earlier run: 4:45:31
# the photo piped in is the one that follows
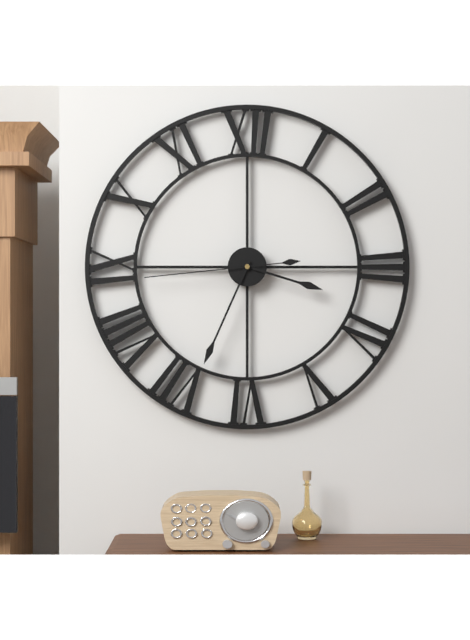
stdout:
3:34:44
